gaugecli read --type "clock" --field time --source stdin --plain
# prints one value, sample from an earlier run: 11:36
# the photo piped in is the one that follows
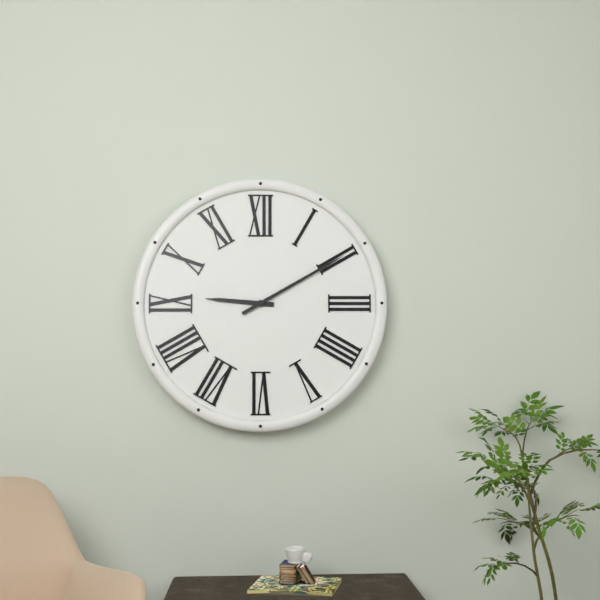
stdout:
9:10
